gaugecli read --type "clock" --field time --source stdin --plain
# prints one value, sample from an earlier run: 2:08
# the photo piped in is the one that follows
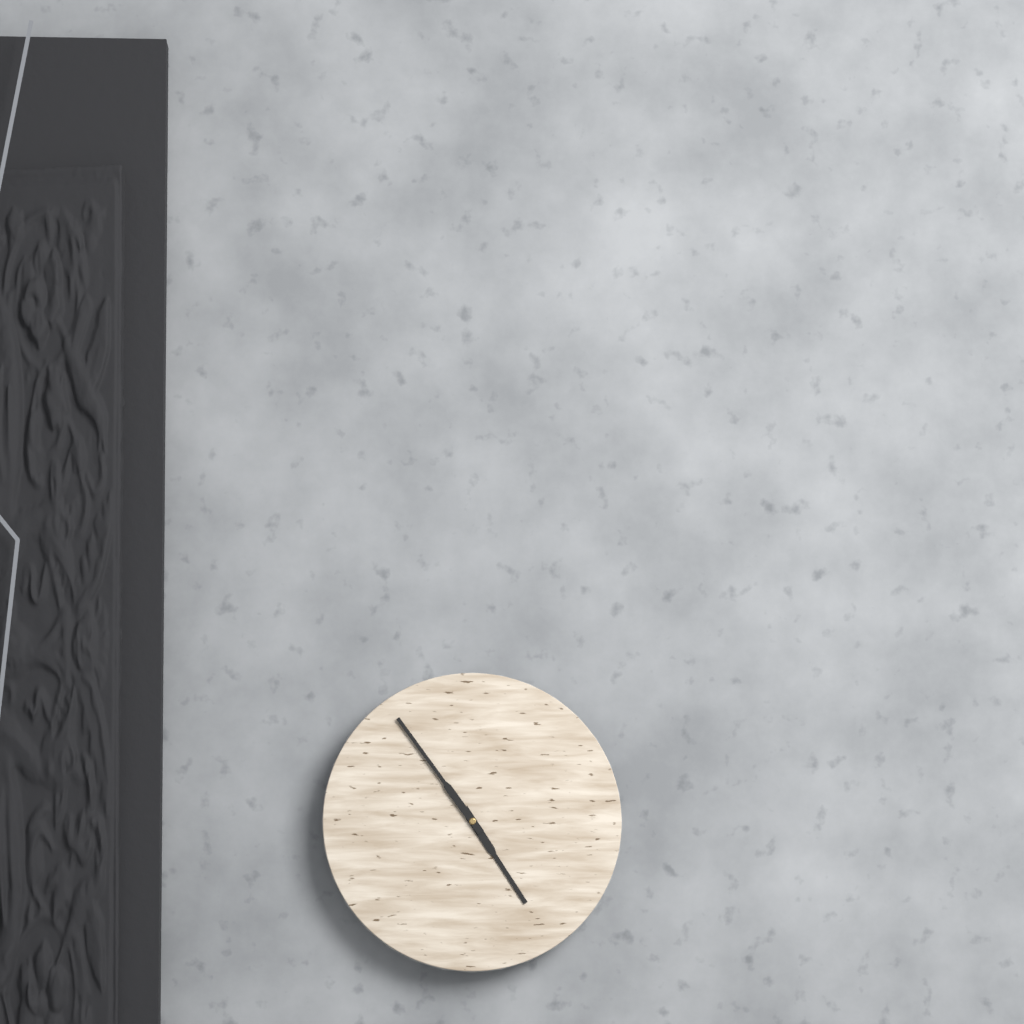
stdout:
4:54
